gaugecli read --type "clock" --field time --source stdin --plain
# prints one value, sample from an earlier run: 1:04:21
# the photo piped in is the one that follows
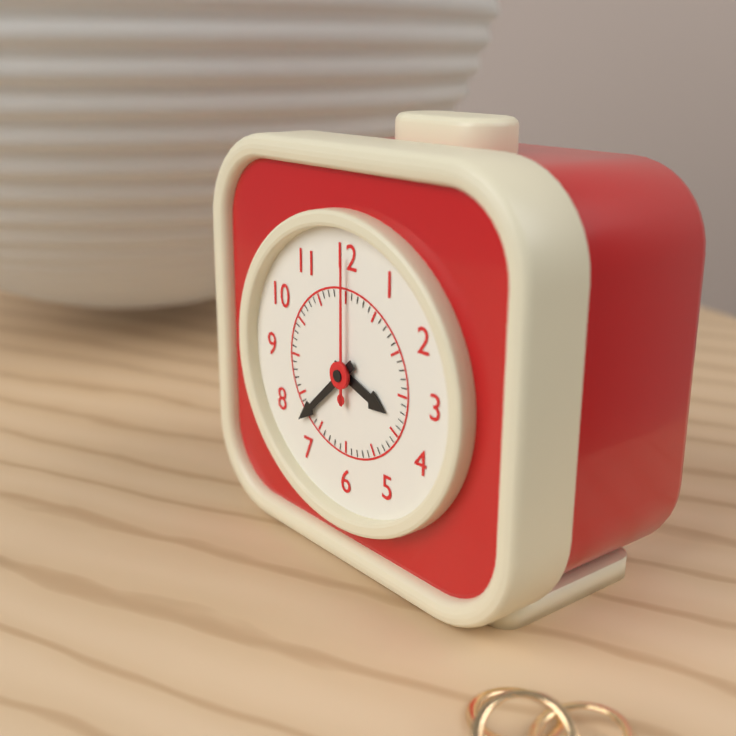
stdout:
3:38:00
